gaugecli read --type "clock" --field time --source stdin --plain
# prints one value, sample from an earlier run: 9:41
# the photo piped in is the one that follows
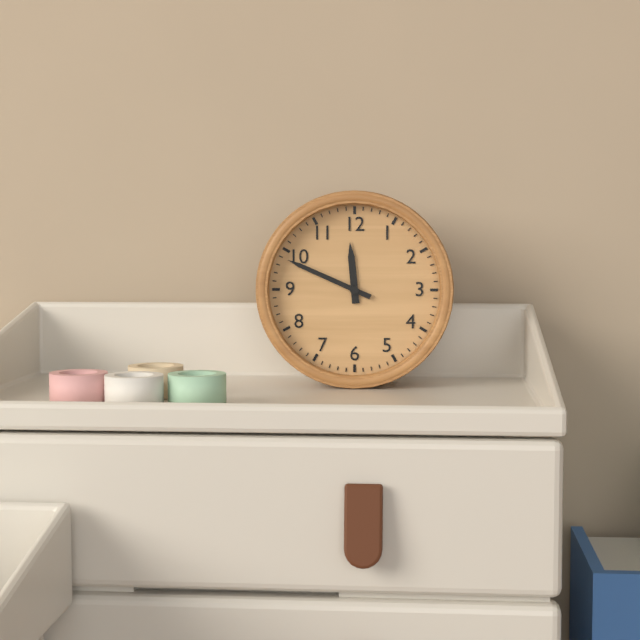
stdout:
11:49
